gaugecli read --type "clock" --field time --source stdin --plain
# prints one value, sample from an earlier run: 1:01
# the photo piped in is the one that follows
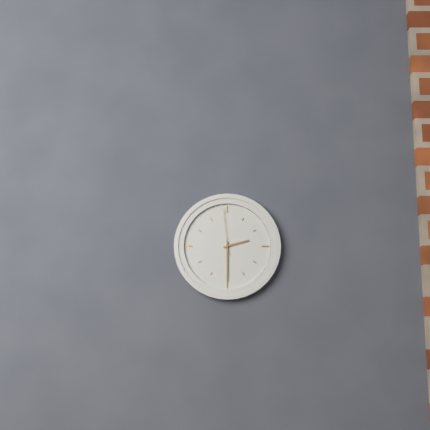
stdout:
2:30
